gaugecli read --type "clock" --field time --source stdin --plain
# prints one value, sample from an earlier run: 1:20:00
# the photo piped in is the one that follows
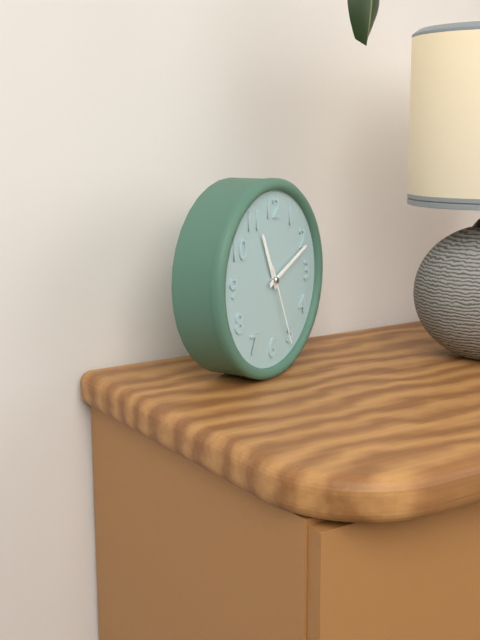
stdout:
11:11:26
